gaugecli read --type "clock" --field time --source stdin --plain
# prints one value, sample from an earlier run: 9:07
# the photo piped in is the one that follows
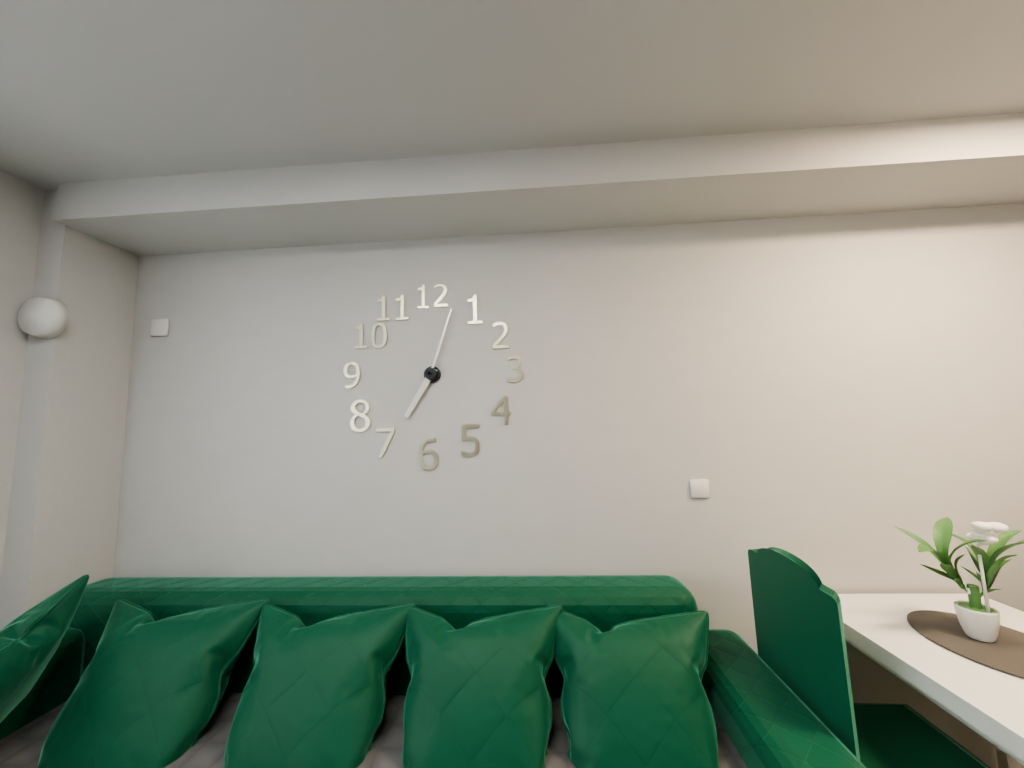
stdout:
7:03
